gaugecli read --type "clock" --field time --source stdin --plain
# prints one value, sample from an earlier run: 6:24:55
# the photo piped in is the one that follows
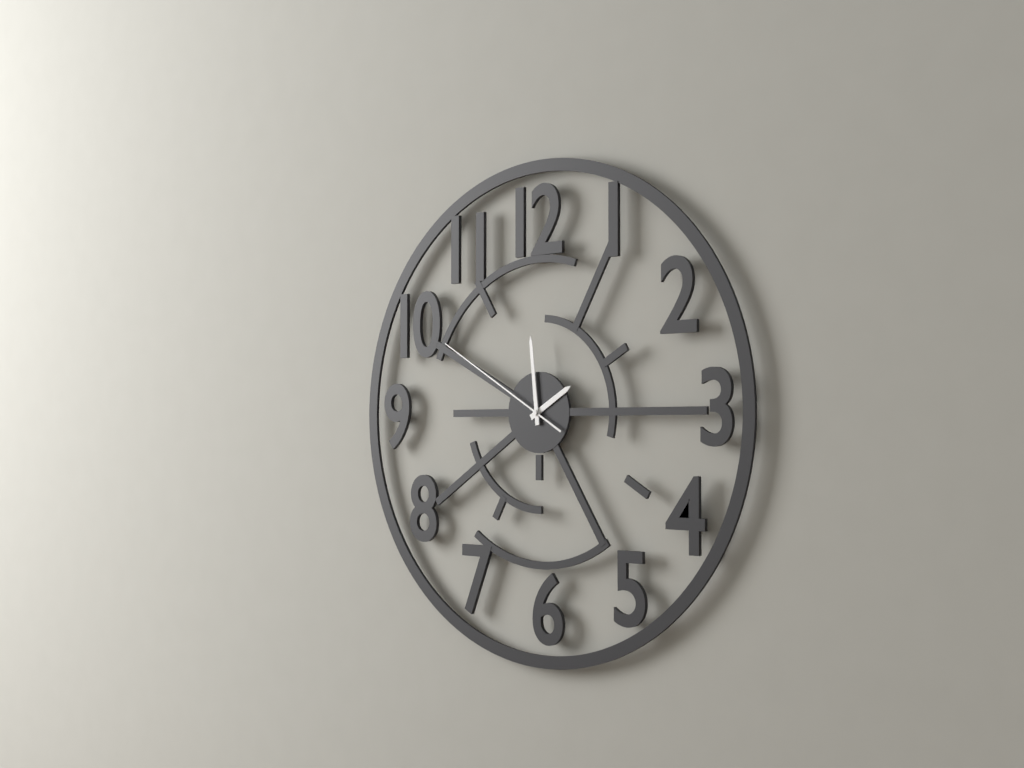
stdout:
1:59:50
